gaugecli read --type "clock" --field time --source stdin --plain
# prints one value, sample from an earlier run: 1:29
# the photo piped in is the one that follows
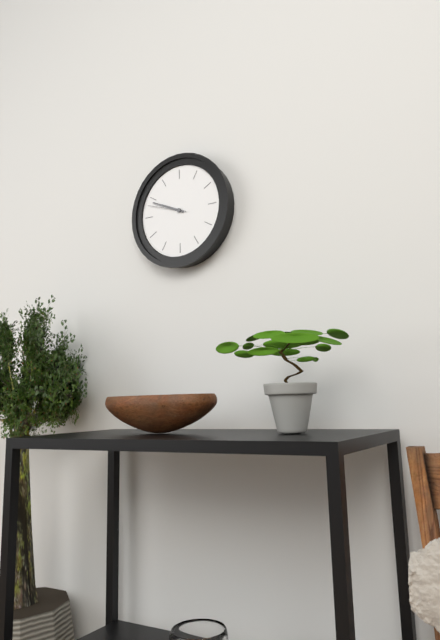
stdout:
9:49
